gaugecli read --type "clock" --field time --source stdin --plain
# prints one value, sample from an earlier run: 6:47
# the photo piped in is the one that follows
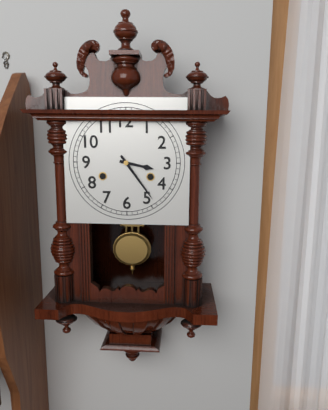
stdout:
3:24
